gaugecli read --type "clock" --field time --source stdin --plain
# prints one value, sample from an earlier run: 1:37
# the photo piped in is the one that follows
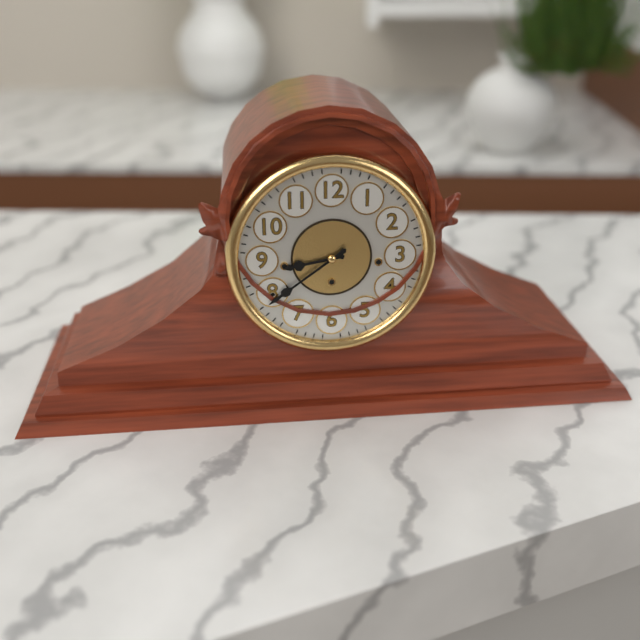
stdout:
8:39
